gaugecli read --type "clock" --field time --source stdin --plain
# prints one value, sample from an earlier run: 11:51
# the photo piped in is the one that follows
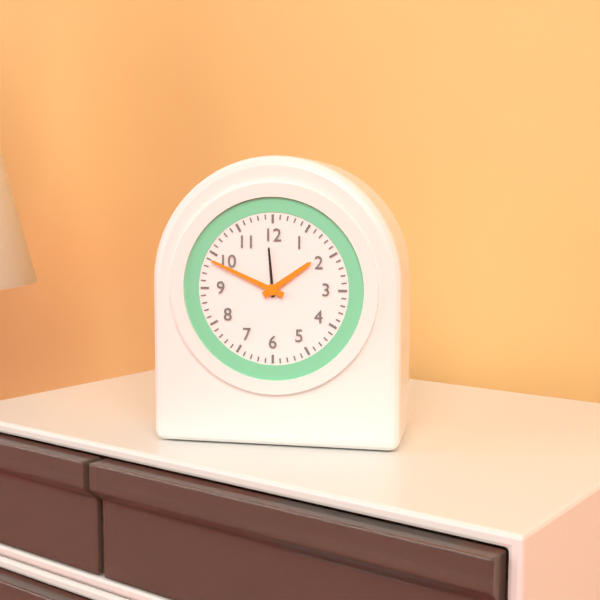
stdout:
1:49
